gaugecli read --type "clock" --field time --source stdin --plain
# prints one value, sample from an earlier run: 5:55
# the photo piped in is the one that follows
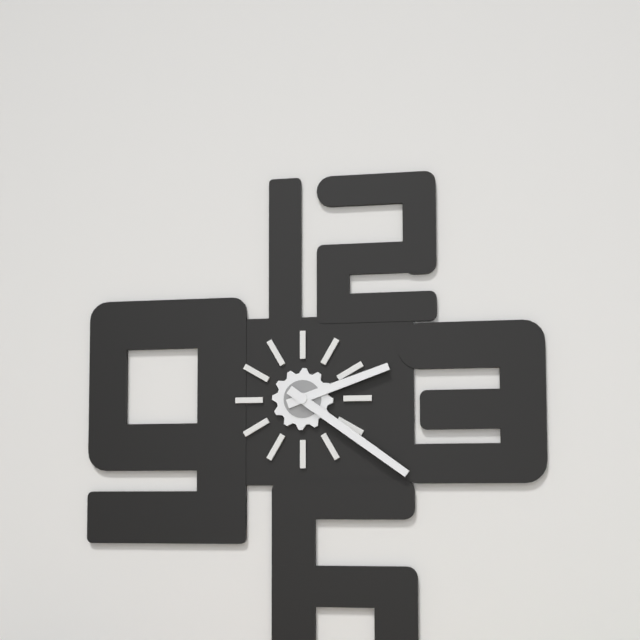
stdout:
2:21
